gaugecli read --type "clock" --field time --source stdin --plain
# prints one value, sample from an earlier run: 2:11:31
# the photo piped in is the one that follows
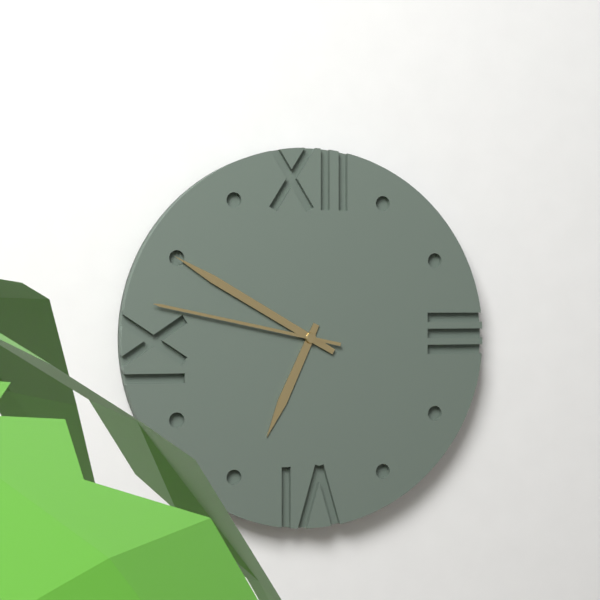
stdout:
6:50:47
